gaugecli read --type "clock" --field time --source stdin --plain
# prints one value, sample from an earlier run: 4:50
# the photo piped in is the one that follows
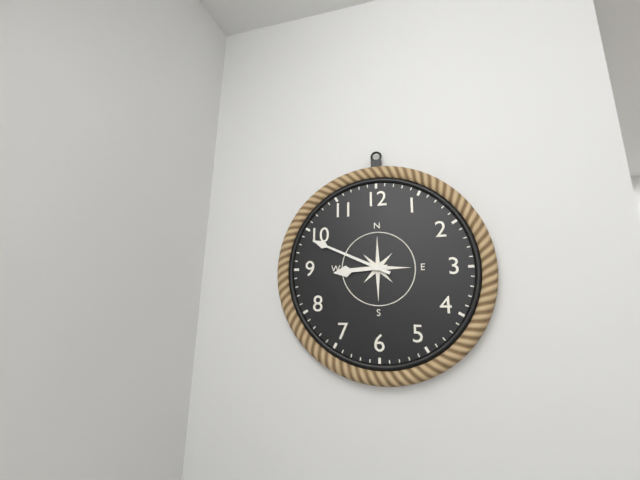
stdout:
8:49
